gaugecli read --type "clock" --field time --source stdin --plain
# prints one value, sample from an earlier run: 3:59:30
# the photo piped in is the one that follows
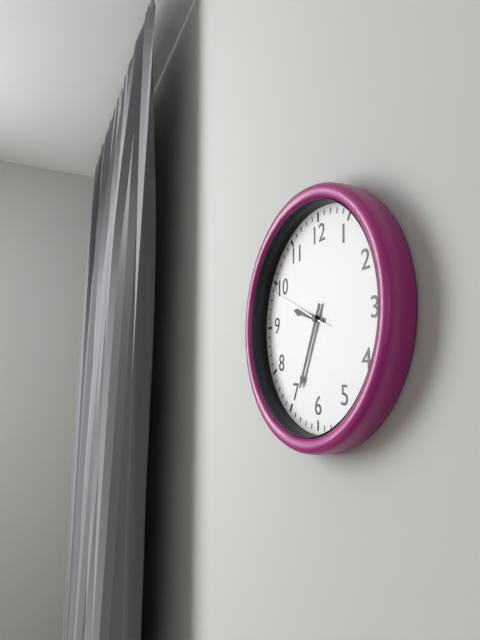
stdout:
9:34:49
